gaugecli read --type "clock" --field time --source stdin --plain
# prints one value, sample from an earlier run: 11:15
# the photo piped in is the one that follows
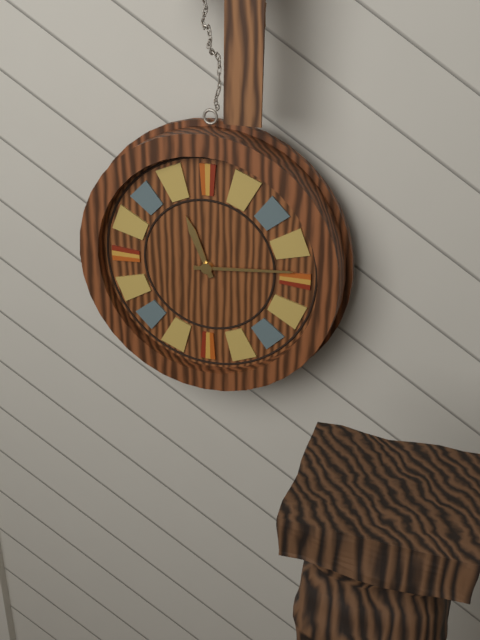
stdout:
11:14
